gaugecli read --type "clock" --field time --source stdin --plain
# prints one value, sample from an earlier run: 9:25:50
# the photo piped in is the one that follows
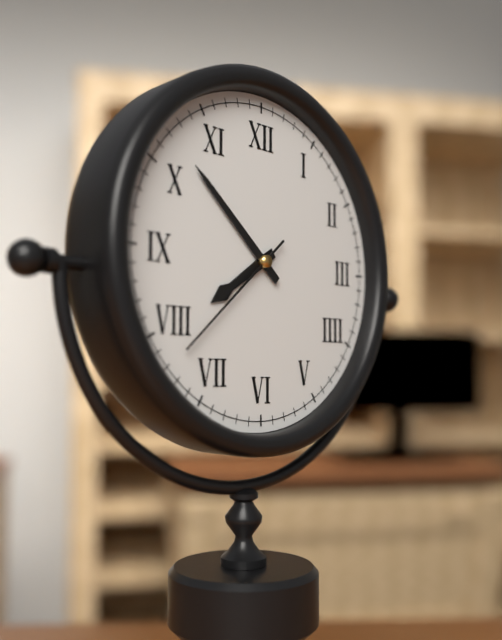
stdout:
7:52:38
